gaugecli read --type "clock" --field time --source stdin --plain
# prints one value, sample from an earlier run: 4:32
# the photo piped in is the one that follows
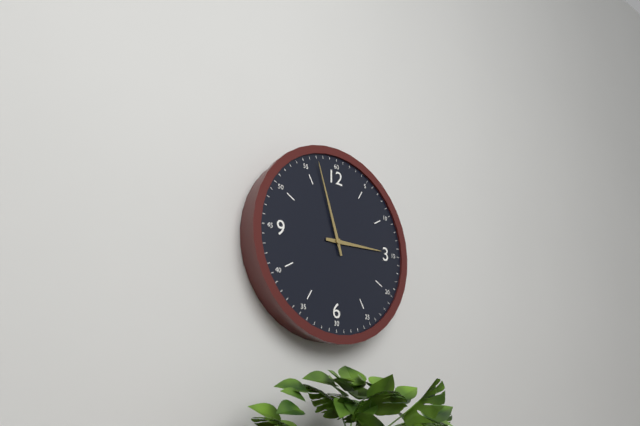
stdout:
2:57
